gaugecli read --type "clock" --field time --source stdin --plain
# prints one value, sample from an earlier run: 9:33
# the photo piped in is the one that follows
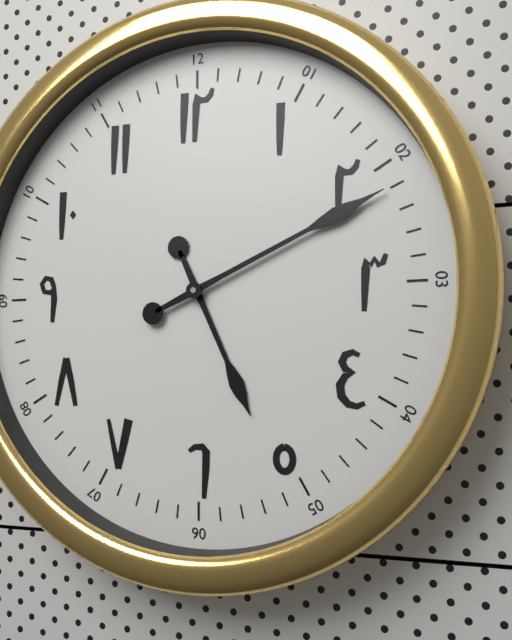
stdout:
5:11
